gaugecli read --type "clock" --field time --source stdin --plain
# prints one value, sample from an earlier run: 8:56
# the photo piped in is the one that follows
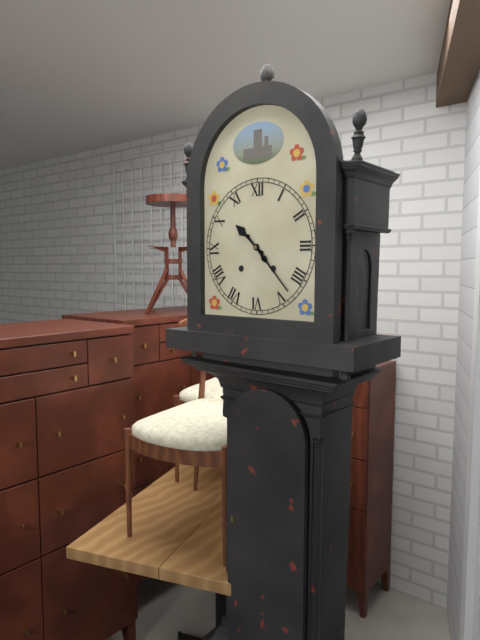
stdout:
10:23
